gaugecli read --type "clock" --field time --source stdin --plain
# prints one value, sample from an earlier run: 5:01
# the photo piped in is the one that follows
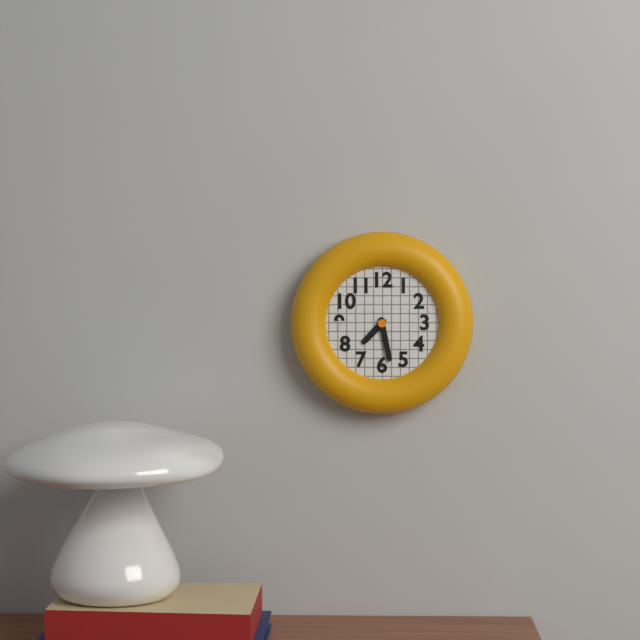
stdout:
7:28
